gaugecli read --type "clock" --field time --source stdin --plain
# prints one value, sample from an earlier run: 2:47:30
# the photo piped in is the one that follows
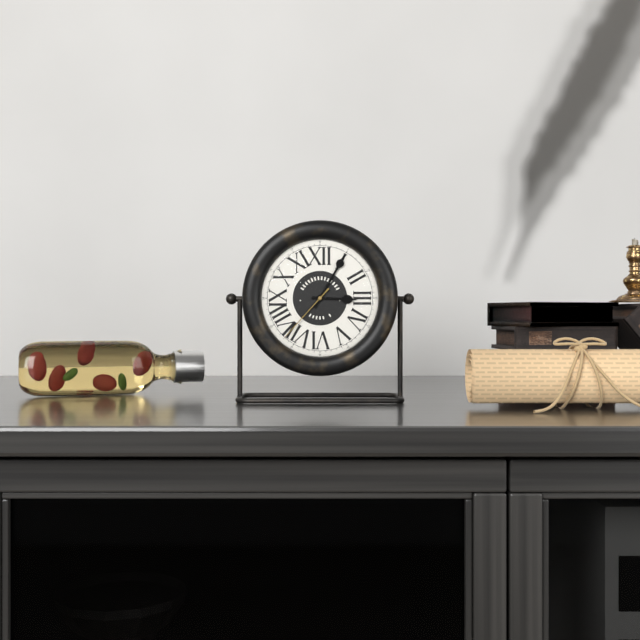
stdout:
3:05:37
